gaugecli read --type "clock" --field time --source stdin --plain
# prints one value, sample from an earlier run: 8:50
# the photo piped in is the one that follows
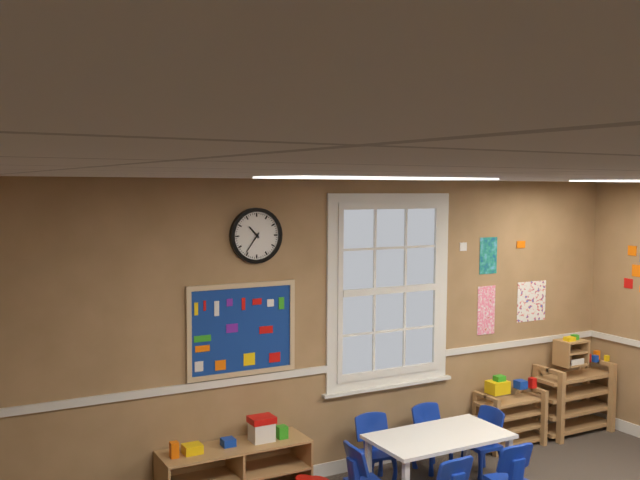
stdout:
10:36
